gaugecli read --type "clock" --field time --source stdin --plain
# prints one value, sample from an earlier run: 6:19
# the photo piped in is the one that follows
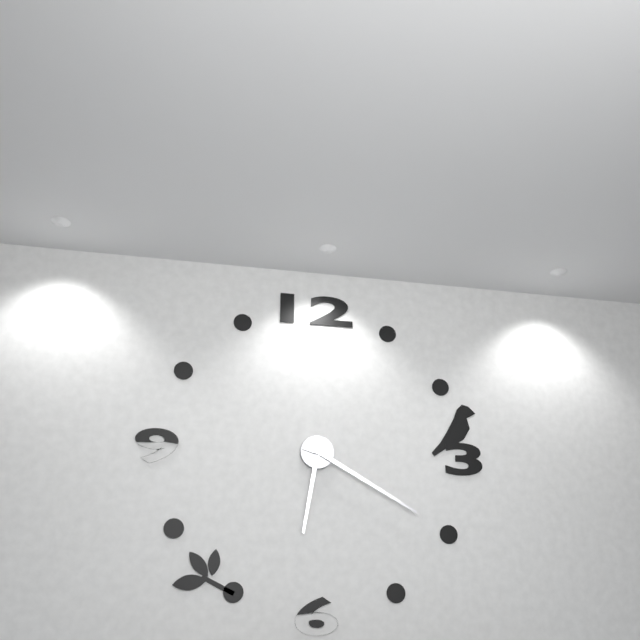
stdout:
6:20
